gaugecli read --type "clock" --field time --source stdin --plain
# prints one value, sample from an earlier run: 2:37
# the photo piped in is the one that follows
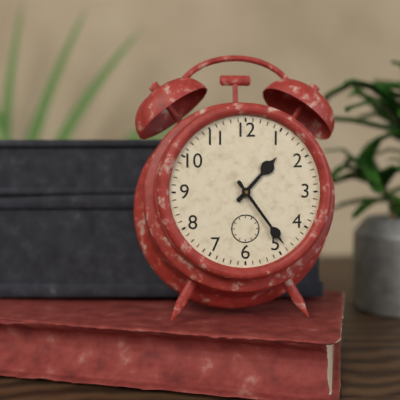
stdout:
1:24
